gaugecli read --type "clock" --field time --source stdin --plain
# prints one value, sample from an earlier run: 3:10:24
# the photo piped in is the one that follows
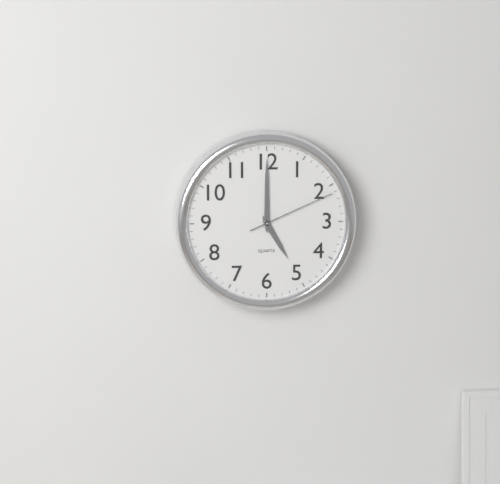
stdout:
5:00:11
